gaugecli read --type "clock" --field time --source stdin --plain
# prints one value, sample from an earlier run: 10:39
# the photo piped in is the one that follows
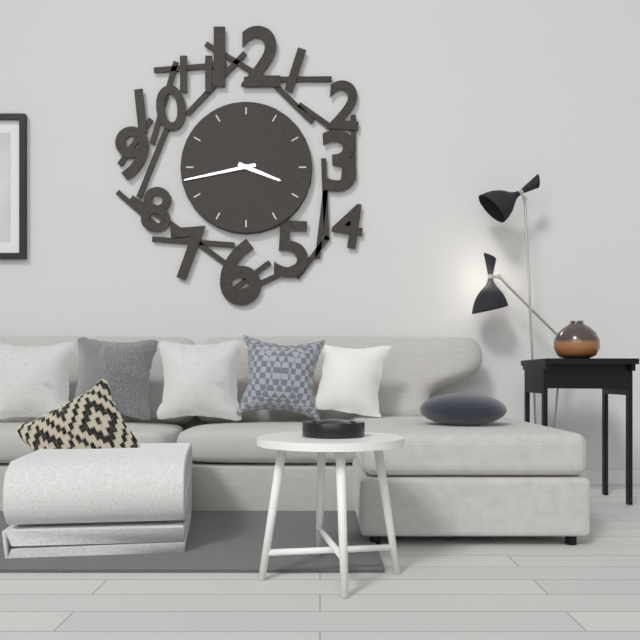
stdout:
3:43
